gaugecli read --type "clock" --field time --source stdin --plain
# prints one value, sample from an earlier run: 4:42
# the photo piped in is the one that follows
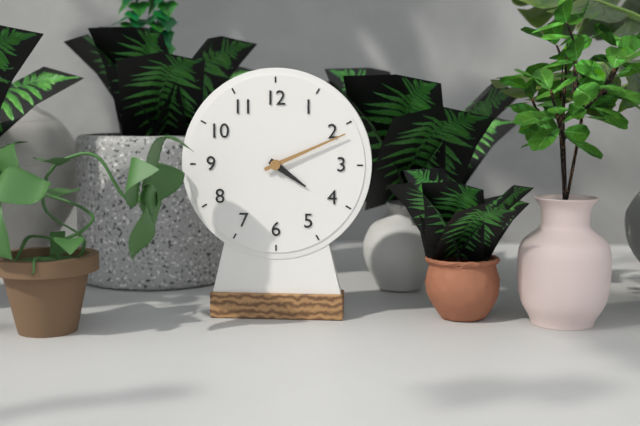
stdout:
4:11
